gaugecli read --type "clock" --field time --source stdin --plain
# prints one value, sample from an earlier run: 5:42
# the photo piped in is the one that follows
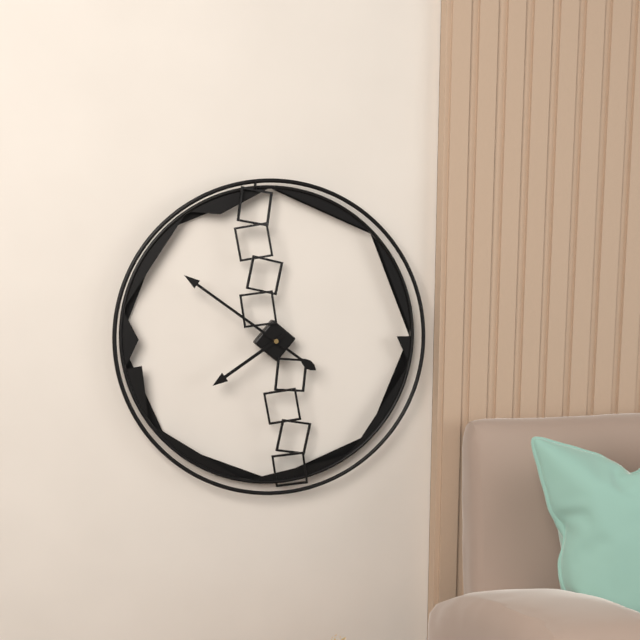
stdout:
7:51
